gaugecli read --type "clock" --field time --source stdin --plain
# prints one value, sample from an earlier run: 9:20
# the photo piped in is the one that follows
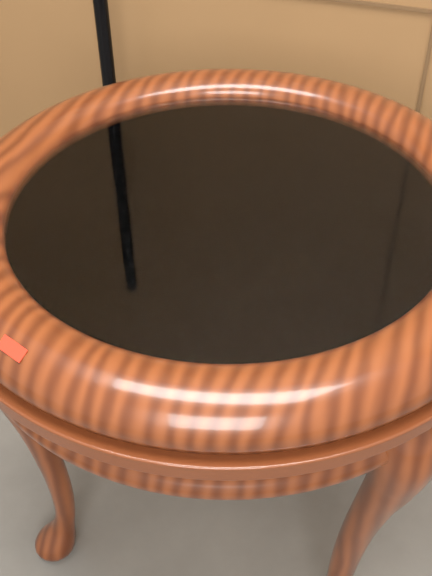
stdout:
6:38
